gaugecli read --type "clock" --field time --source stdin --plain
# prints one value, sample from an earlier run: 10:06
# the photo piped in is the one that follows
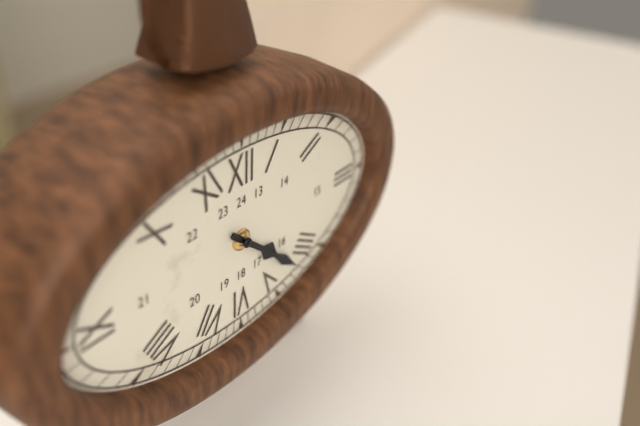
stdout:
4:22
